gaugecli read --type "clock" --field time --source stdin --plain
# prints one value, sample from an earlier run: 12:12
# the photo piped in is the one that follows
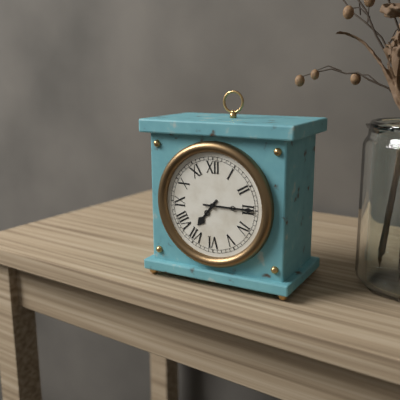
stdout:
7:15
